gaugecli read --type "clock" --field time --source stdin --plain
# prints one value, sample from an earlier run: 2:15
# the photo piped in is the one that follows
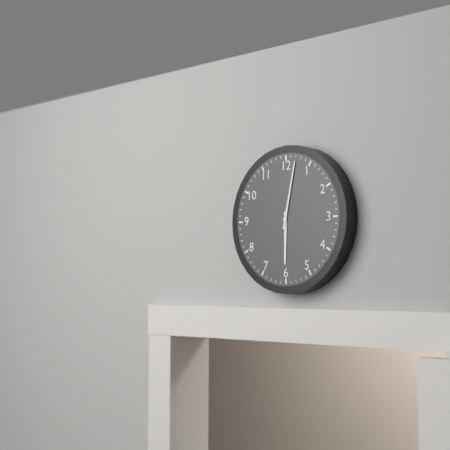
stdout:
6:02
